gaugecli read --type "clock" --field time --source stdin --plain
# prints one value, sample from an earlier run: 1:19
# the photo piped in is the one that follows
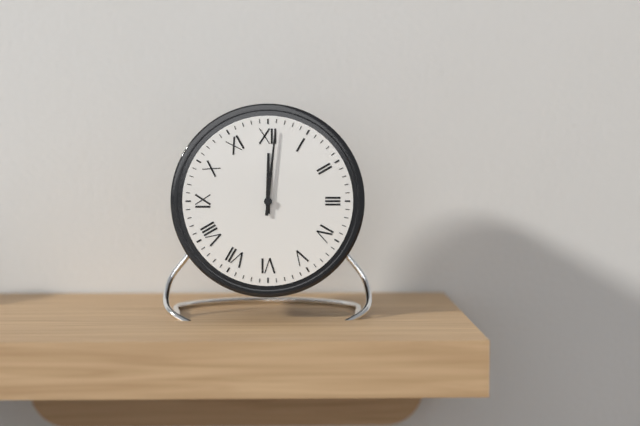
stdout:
12:01
